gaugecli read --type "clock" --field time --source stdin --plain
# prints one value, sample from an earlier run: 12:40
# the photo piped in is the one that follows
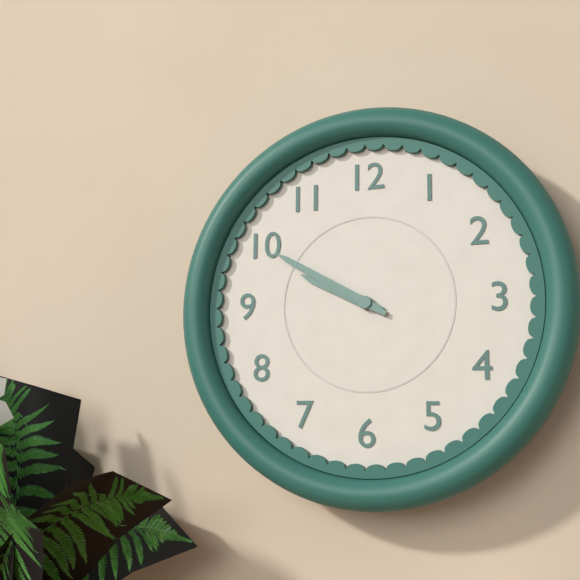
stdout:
9:50
